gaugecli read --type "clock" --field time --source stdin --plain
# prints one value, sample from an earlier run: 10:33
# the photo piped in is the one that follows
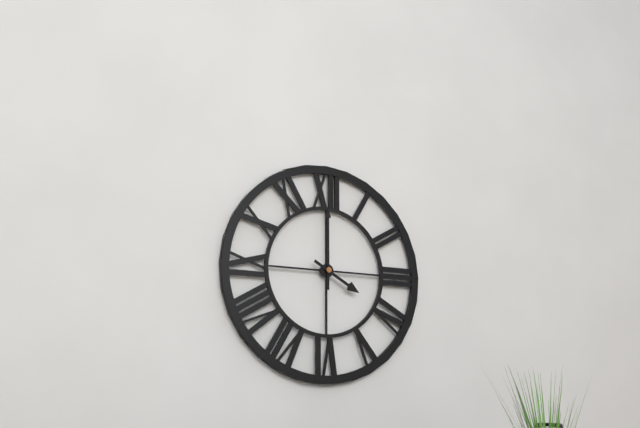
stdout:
4:00
